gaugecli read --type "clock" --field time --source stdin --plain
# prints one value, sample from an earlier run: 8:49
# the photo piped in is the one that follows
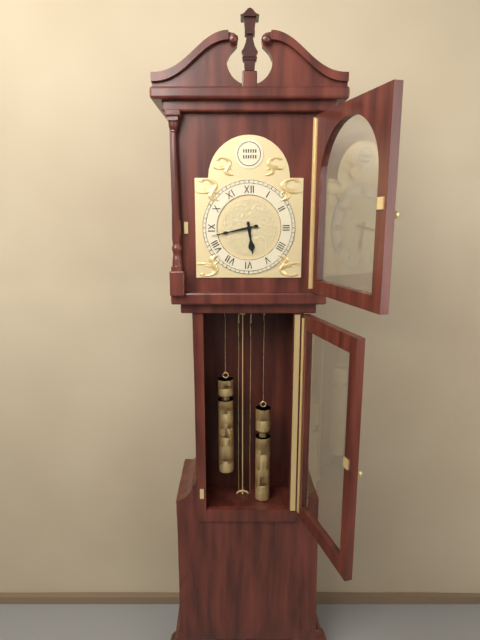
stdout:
5:43
